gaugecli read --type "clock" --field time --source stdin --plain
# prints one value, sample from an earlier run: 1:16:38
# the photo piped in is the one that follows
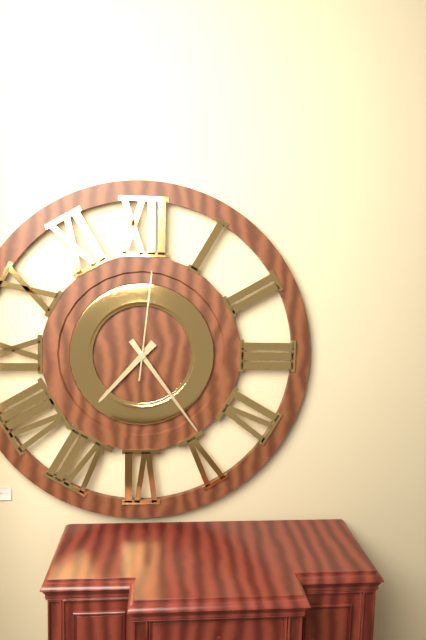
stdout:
7:24:01
